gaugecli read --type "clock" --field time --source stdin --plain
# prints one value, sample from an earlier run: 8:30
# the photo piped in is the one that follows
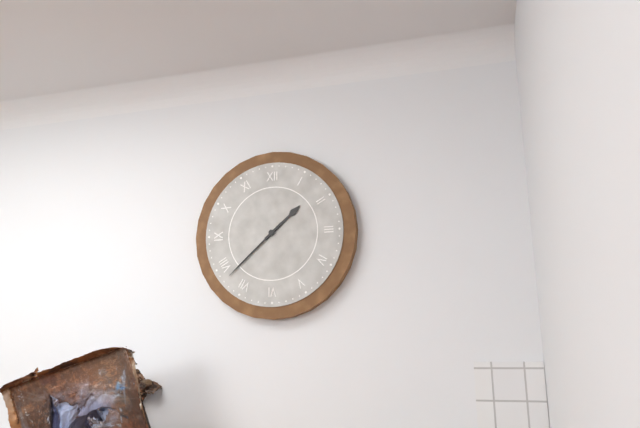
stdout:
1:38
